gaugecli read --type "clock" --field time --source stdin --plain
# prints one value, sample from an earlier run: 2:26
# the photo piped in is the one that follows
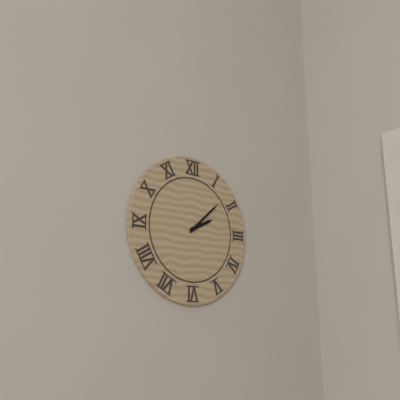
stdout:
2:08
